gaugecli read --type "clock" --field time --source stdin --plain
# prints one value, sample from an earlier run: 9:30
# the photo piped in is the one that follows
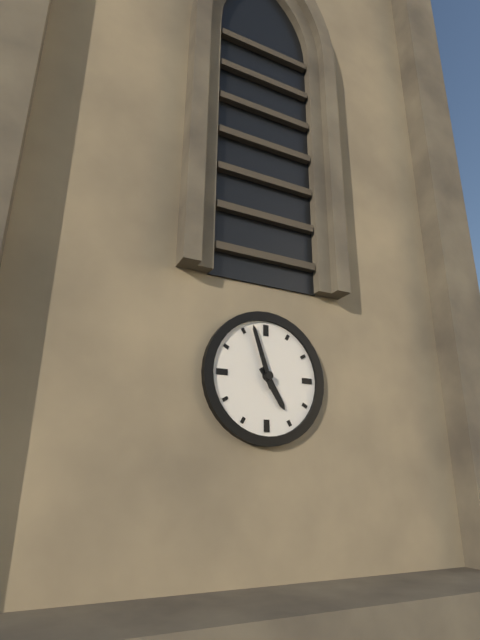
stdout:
4:57
